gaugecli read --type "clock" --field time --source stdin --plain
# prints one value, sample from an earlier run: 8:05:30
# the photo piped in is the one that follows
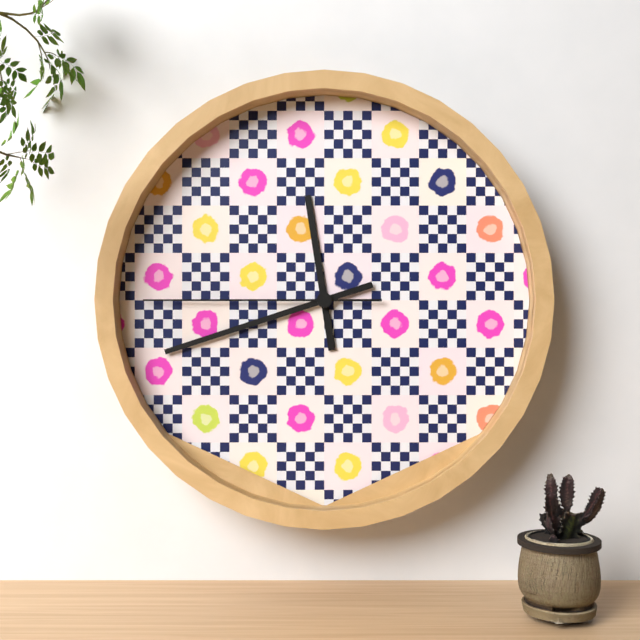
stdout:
11:42:45
